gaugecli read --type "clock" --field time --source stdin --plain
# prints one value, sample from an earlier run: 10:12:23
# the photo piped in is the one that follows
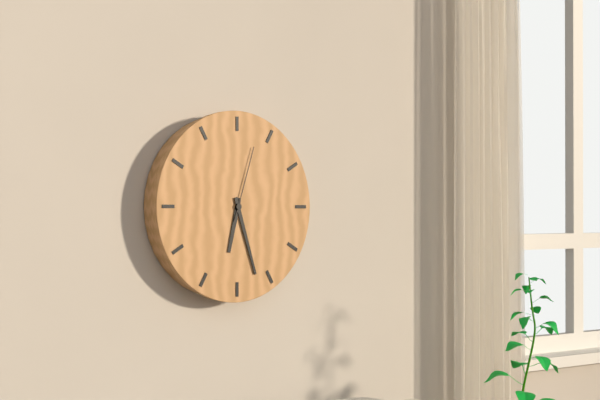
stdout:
6:27:03
